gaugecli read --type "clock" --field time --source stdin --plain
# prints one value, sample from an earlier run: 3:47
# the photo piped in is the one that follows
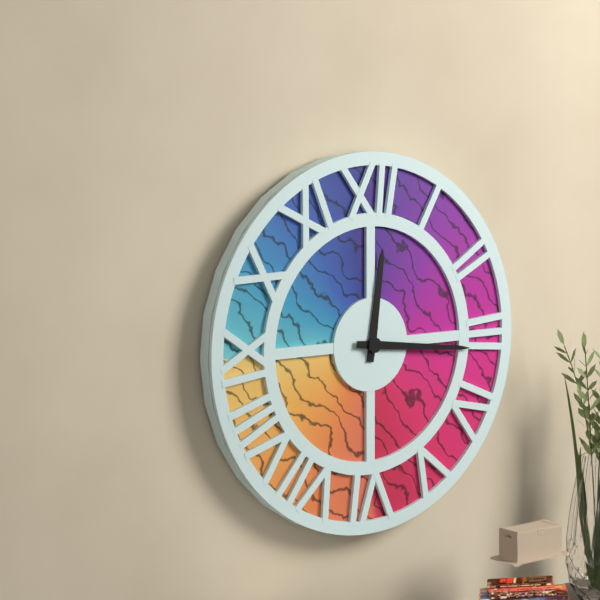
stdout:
12:16
